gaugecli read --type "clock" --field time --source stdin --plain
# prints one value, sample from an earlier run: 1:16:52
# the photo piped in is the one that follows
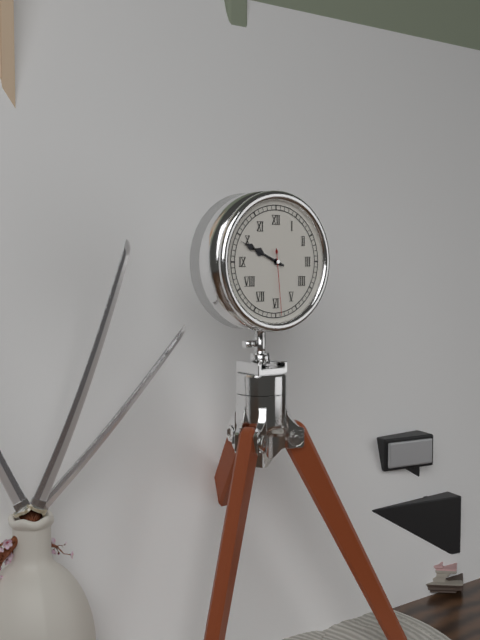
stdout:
9:49:29
